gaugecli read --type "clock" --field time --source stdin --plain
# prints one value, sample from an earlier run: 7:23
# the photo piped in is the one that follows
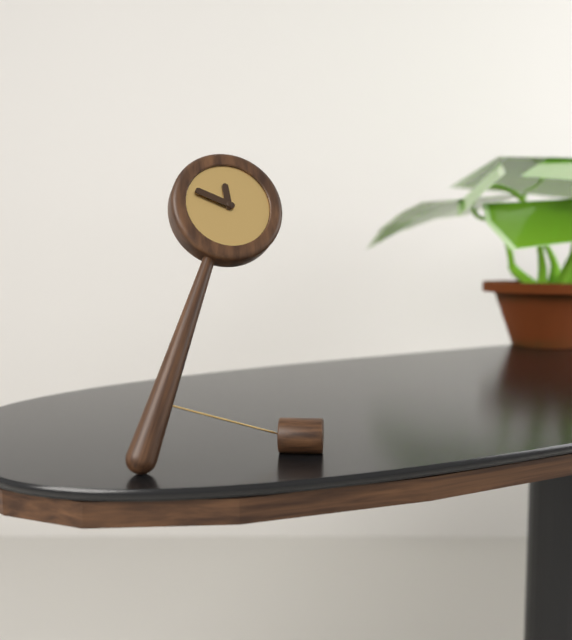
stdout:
11:49
